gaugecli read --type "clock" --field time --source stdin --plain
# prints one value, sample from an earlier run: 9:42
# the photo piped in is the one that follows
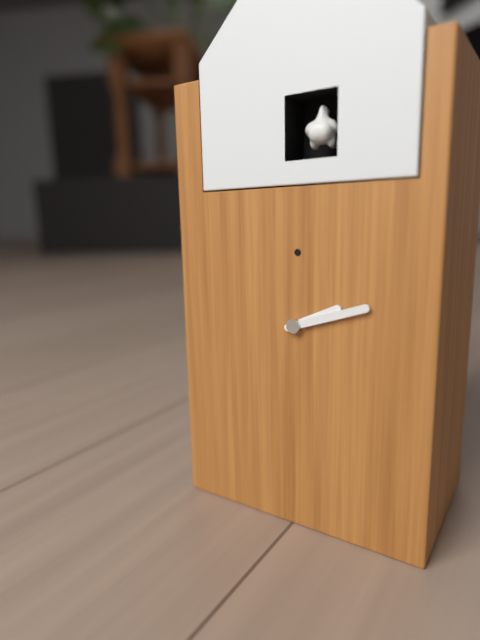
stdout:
2:12
